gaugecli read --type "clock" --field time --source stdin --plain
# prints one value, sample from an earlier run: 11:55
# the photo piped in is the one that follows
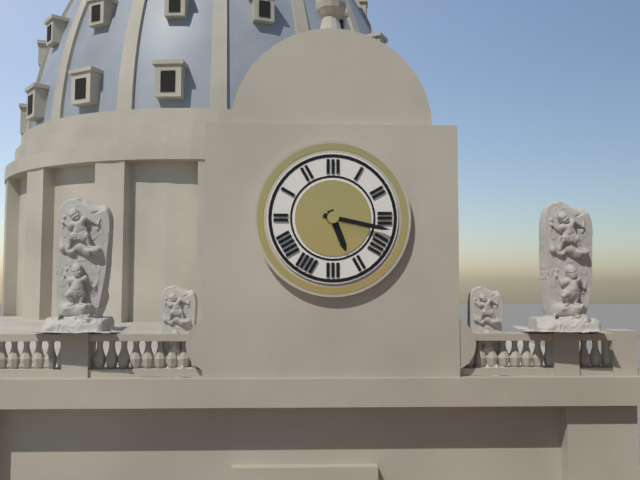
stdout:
5:17
